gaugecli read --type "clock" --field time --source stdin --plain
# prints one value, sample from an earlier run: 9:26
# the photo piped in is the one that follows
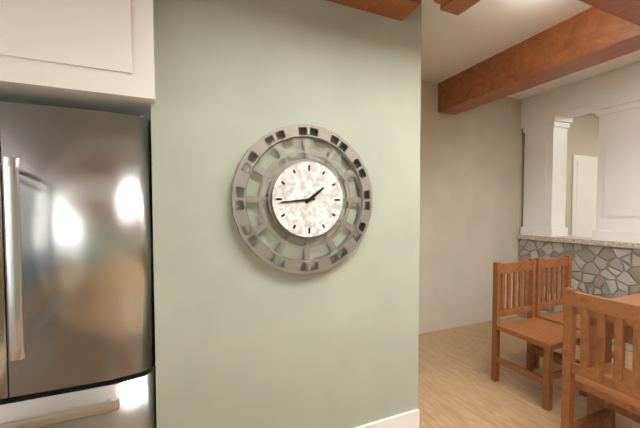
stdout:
1:44
